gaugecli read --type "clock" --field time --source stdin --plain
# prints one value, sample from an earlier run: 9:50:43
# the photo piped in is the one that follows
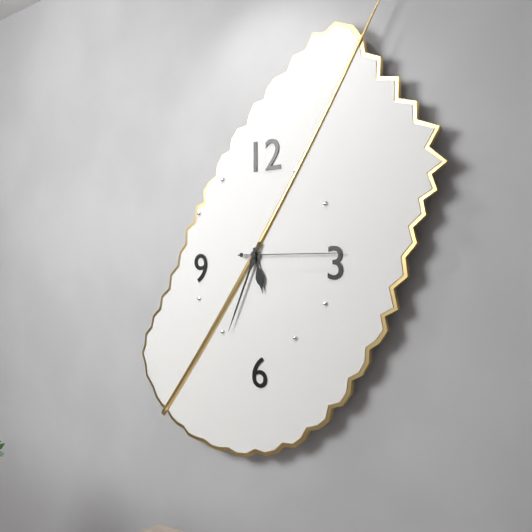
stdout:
5:34:15
